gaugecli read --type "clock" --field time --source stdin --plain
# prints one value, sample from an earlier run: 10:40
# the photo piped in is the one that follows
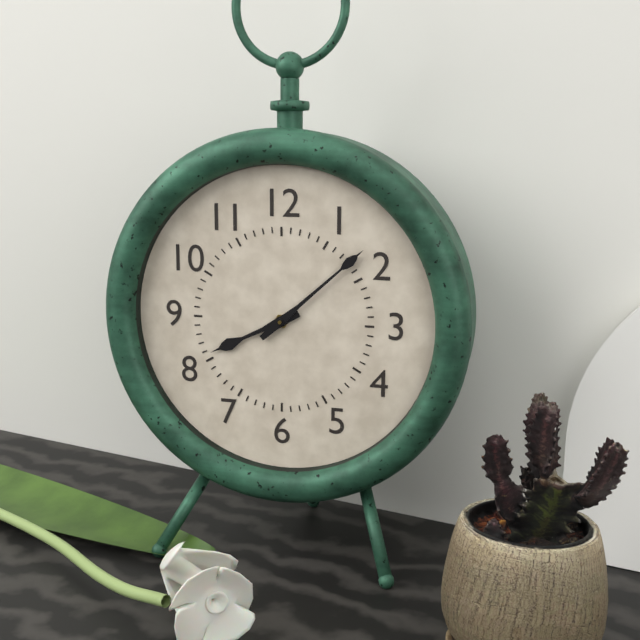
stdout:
8:08
